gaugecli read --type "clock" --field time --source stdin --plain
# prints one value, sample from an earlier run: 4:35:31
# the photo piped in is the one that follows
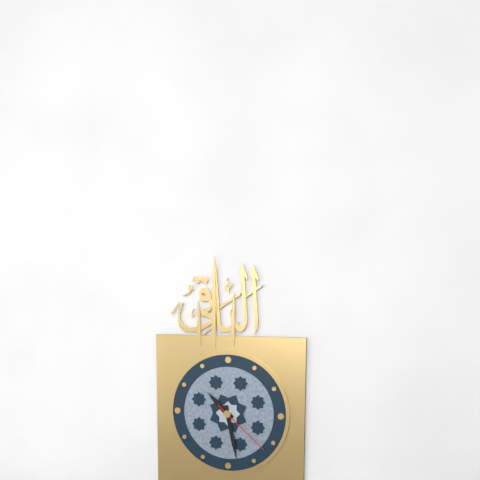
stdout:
10:28:22
